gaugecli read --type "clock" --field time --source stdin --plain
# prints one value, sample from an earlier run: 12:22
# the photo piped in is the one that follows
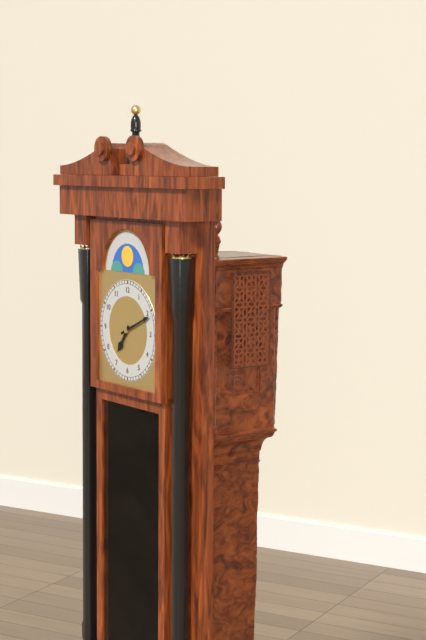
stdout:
7:11
